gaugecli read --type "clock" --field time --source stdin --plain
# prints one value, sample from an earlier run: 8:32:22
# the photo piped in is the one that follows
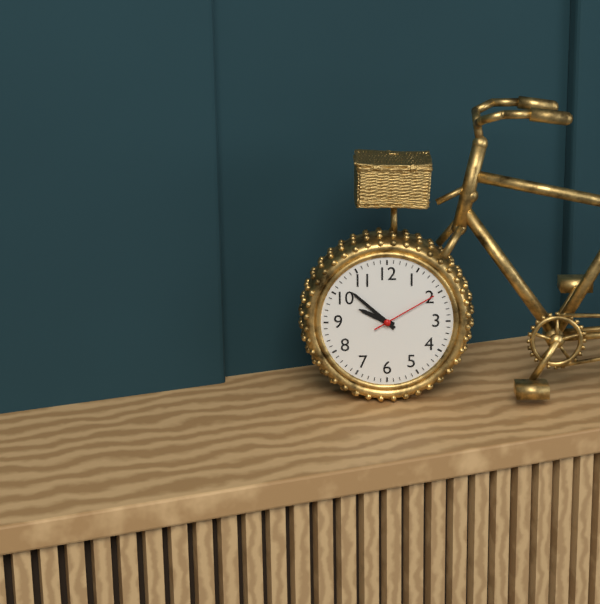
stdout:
9:52:10
